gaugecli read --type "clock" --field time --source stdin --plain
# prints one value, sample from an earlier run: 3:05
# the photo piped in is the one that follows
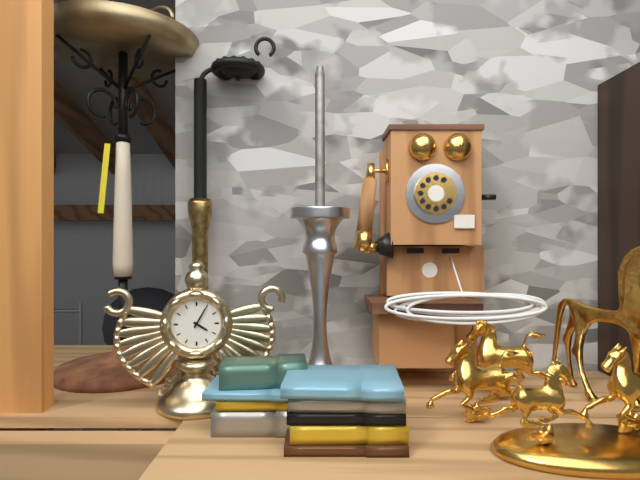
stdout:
4:05
